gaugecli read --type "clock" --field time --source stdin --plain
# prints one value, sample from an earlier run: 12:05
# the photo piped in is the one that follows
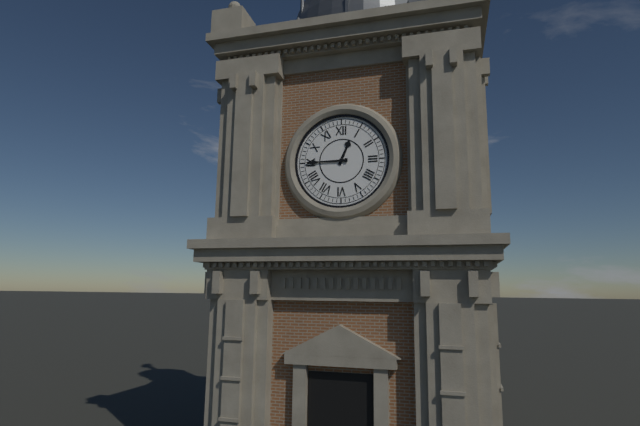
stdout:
12:45
